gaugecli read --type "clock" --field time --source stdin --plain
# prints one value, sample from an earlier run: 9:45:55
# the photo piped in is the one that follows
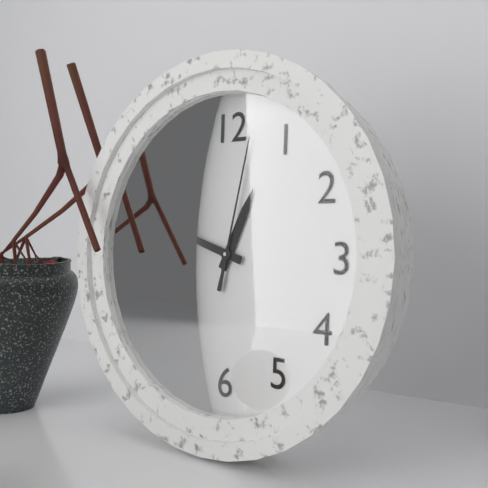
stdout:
12:48:02
